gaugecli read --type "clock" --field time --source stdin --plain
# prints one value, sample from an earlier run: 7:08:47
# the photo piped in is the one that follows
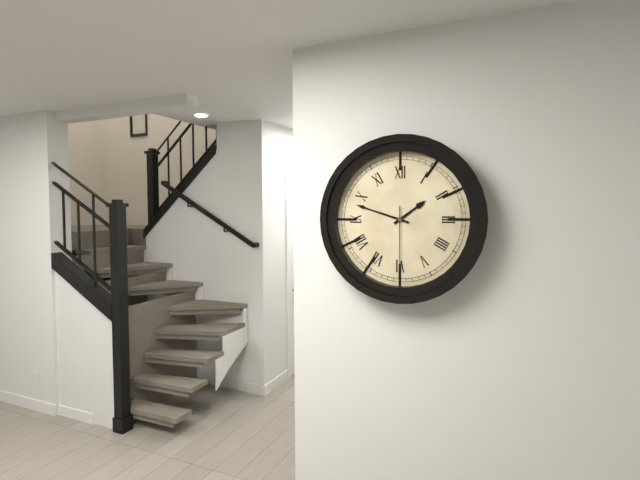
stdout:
1:48:30
